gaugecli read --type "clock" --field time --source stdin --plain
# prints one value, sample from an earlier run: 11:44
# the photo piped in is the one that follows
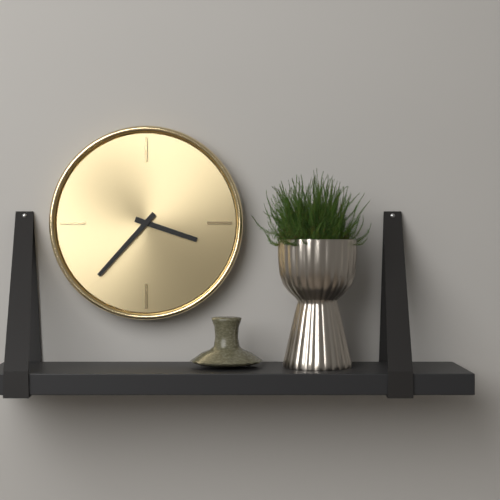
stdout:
3:37
